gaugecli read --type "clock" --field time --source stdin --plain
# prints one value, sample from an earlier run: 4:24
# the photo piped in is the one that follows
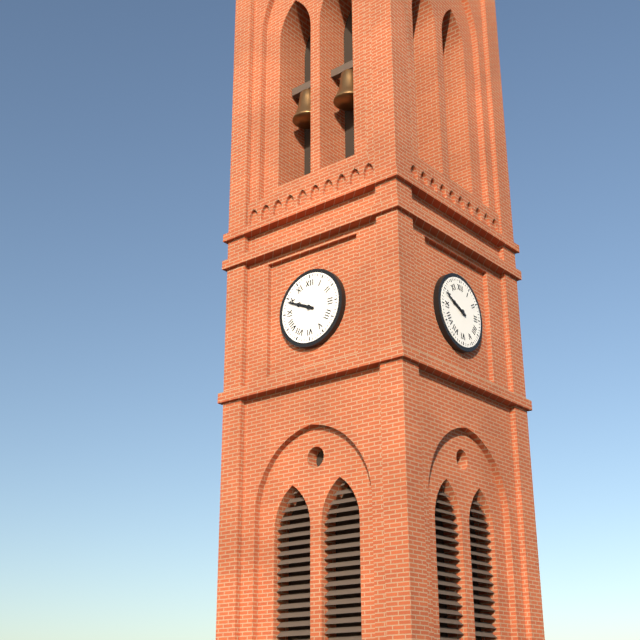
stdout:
9:49
